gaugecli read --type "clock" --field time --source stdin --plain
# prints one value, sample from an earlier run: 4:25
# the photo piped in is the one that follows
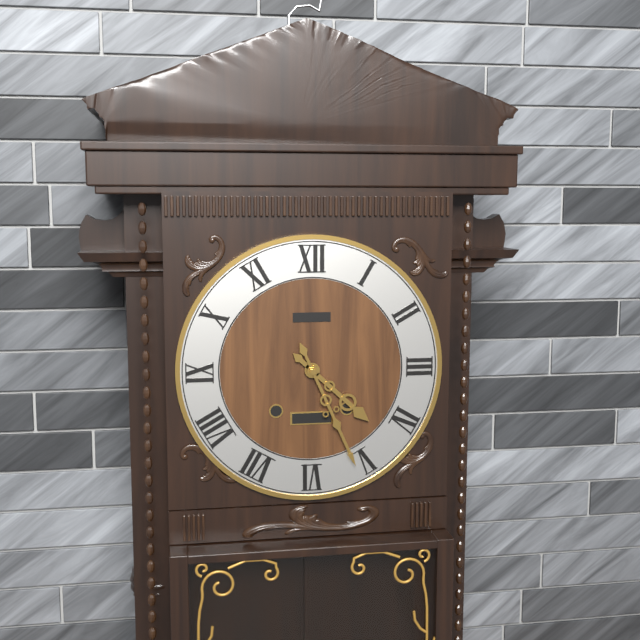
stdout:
4:26
